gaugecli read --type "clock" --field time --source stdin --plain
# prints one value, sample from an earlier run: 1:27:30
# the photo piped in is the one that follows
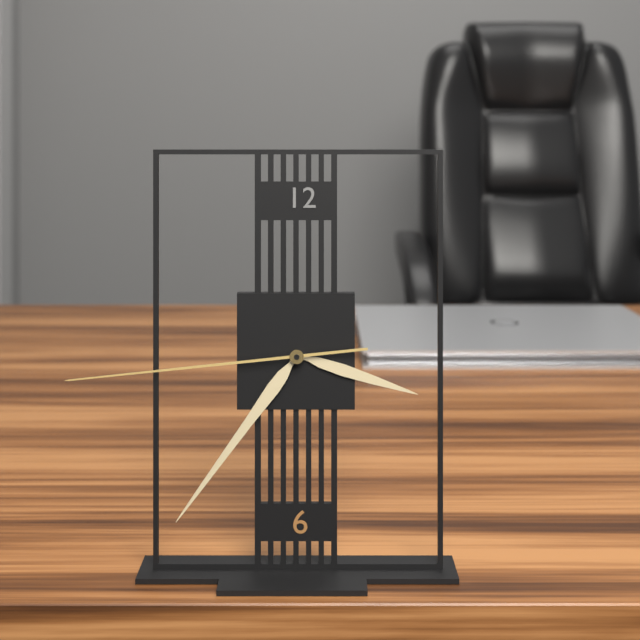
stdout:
3:36:44
